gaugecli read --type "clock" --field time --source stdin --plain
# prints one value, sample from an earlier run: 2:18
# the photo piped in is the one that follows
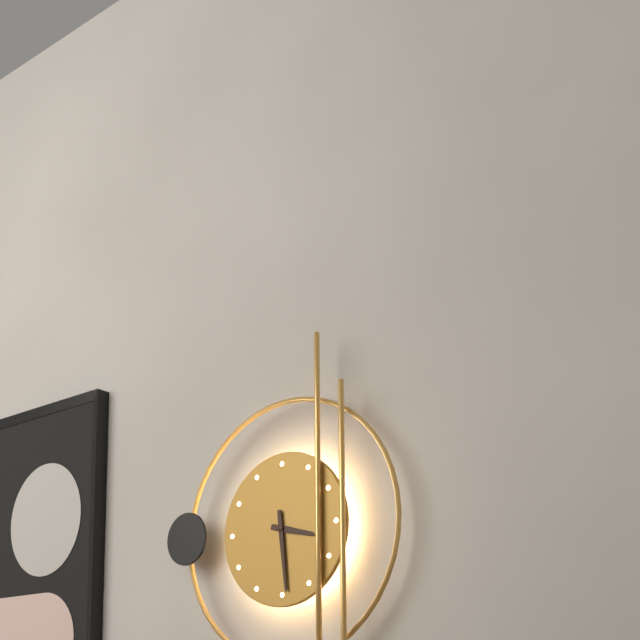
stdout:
3:29
